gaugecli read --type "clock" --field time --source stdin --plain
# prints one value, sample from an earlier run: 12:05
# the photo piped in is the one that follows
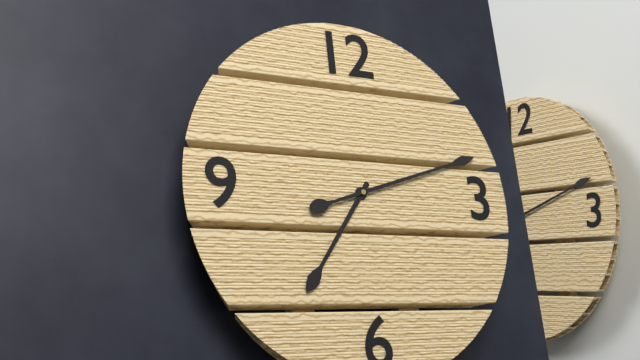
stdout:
7:12
